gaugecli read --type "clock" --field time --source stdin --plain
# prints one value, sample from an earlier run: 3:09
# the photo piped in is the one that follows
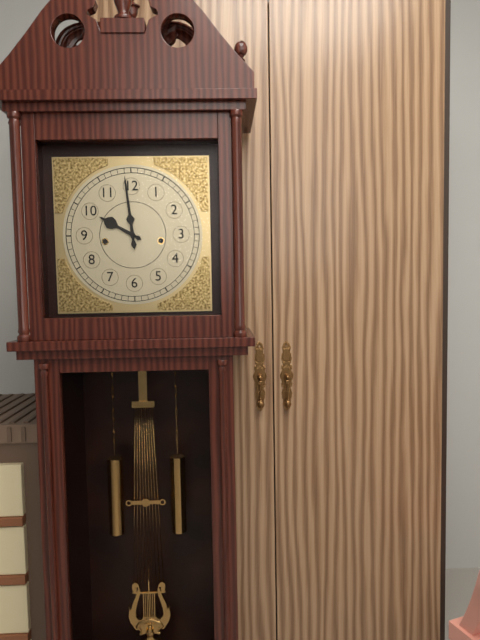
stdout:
9:59
